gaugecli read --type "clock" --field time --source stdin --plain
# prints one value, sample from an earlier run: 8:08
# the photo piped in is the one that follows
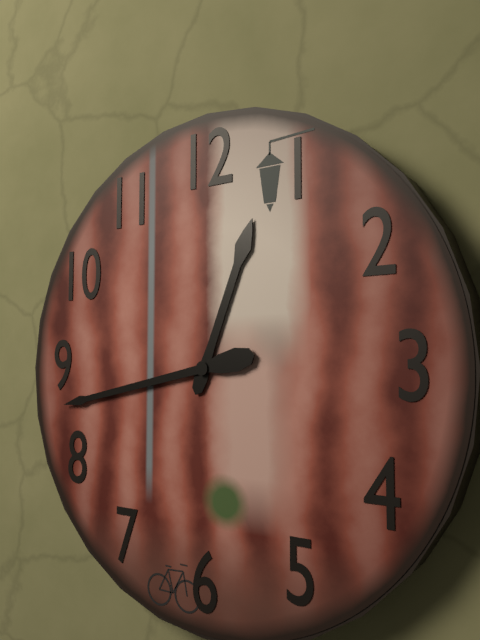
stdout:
12:43
